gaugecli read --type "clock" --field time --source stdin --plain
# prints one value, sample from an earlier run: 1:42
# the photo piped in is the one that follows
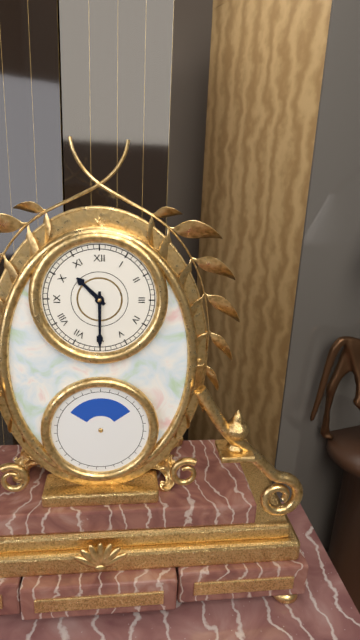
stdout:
10:30
